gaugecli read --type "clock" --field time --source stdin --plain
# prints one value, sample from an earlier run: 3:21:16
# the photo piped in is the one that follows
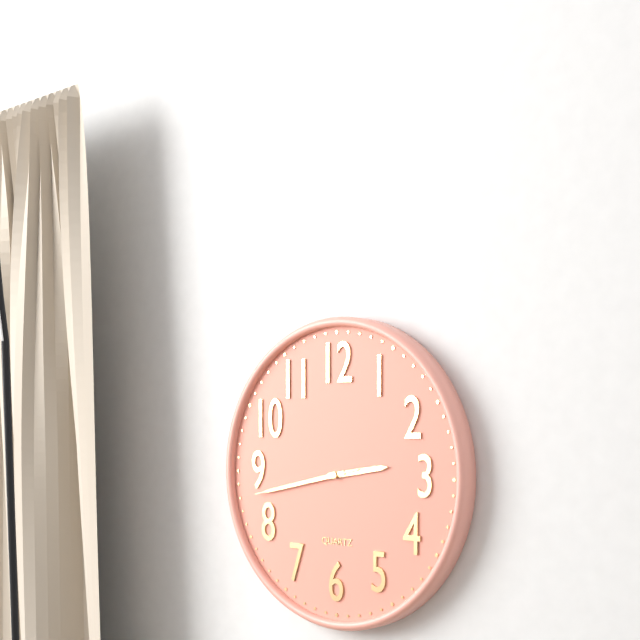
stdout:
2:43:43
